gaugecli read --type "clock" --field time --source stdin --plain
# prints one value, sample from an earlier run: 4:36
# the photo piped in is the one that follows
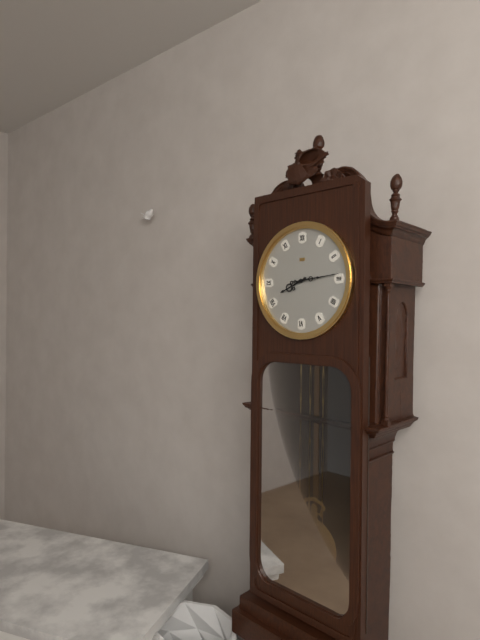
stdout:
8:14
